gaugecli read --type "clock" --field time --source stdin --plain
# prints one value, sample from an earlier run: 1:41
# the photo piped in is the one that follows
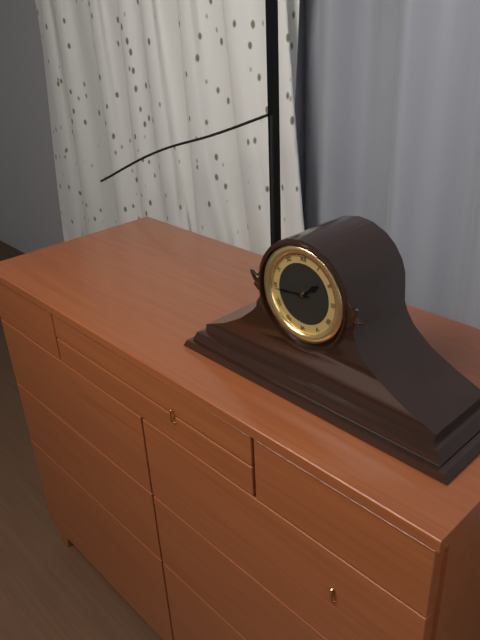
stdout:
1:44
